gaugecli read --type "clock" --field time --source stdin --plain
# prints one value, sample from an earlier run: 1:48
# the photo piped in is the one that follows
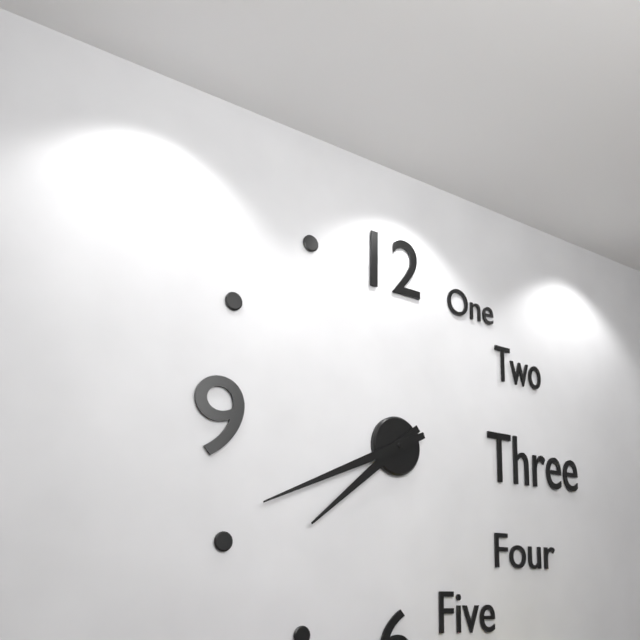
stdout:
7:41
